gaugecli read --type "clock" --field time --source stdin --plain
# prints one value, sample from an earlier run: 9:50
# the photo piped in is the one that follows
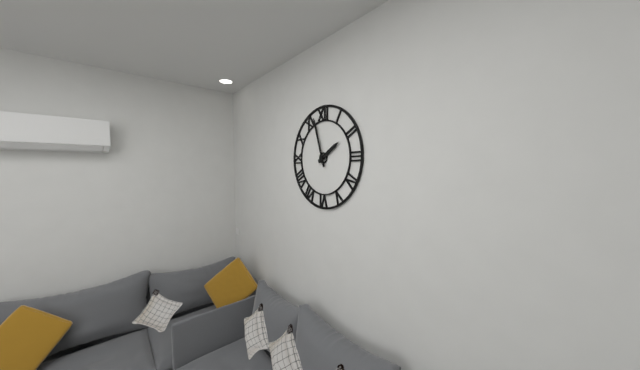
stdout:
1:57
